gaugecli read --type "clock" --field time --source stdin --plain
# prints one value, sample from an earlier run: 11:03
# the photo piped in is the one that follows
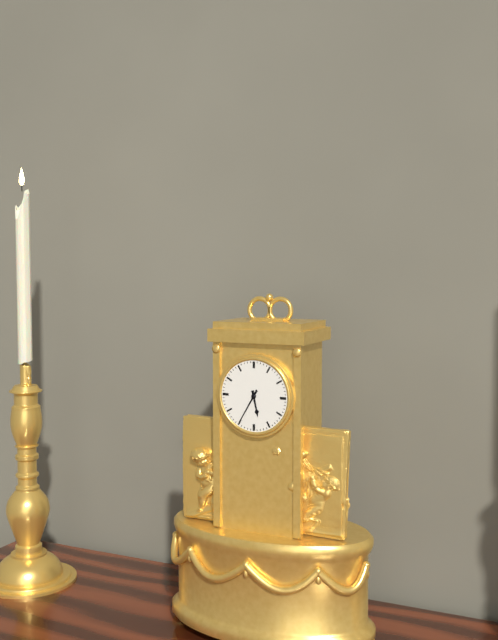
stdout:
5:35
